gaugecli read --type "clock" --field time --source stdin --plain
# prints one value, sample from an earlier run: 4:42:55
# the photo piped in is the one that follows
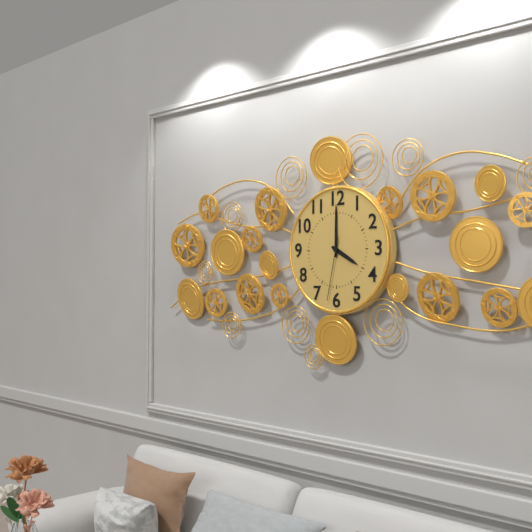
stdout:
4:00:32
